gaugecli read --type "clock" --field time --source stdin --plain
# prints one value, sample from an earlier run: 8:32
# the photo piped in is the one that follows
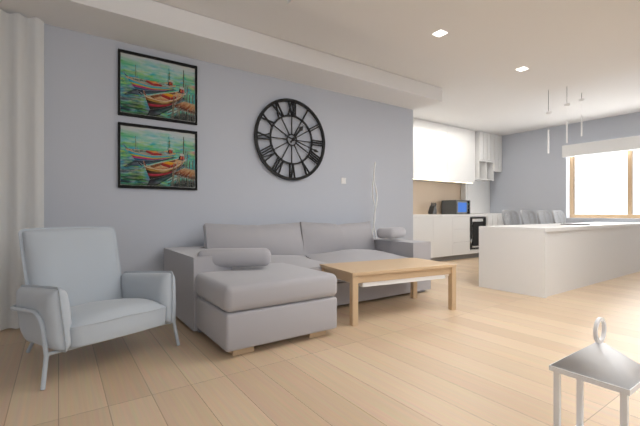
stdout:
1:18
